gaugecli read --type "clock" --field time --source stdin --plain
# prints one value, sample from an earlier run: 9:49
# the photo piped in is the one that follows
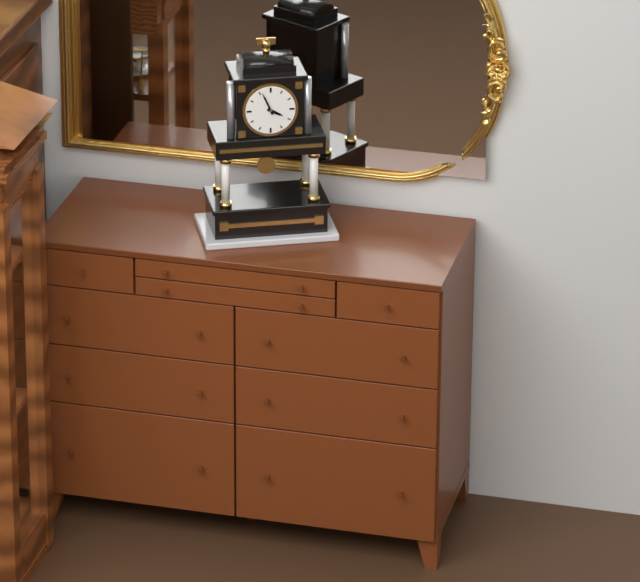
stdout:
3:56
